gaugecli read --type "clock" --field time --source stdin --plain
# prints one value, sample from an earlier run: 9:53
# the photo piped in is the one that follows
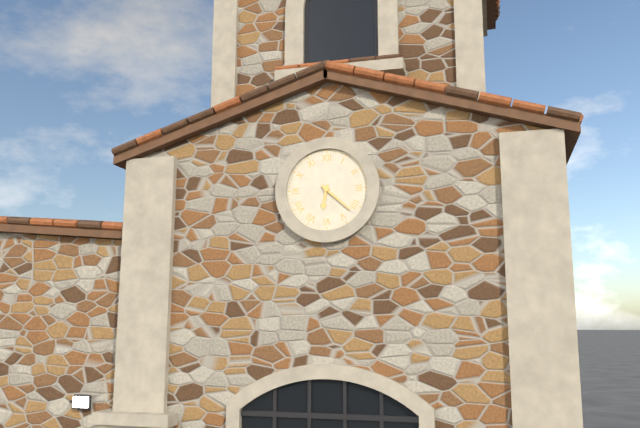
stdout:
6:22
